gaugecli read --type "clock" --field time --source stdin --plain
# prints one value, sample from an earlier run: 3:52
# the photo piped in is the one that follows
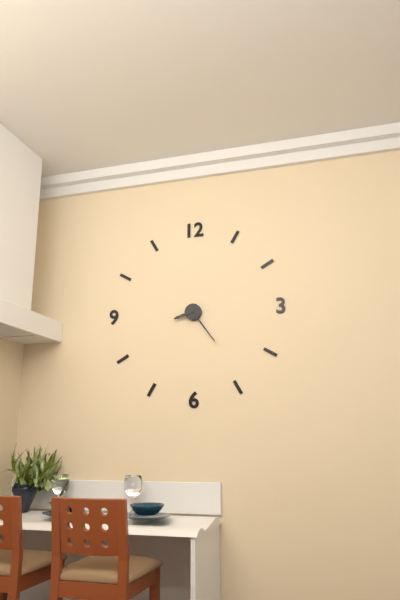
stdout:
8:24
